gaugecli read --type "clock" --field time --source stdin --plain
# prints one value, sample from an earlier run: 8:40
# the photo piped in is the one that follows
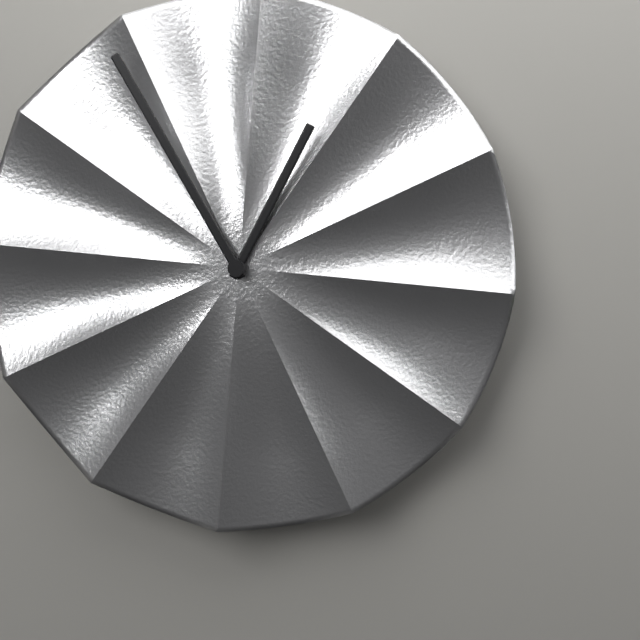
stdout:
12:55
